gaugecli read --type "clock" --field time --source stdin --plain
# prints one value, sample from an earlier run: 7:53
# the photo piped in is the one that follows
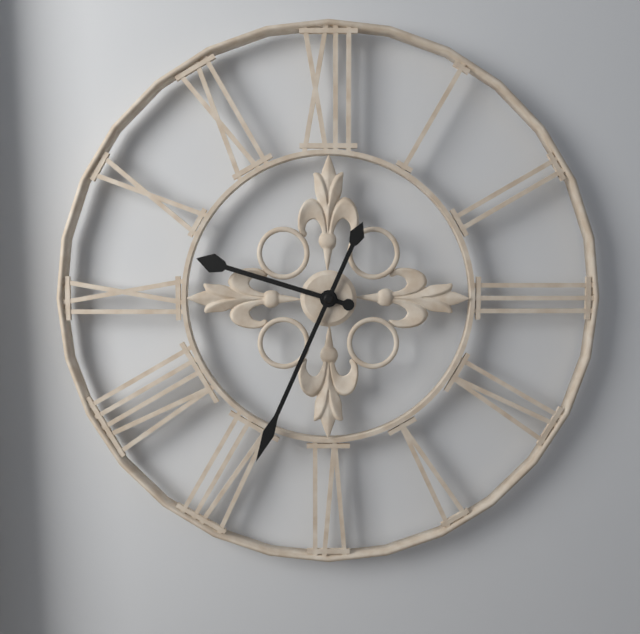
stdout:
9:34
